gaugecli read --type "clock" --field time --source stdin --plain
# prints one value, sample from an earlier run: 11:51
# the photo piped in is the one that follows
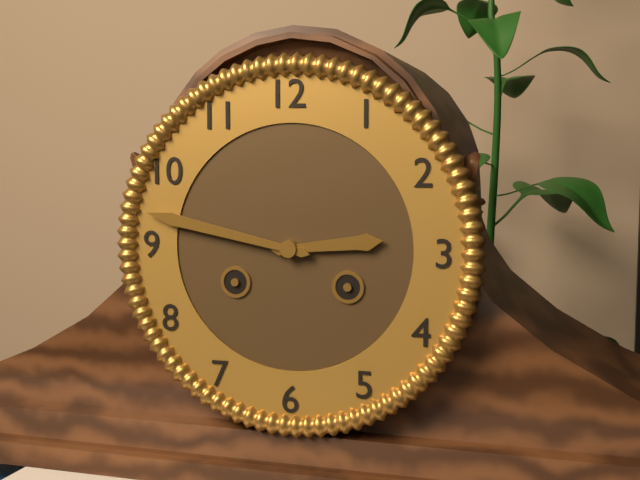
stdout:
2:47
